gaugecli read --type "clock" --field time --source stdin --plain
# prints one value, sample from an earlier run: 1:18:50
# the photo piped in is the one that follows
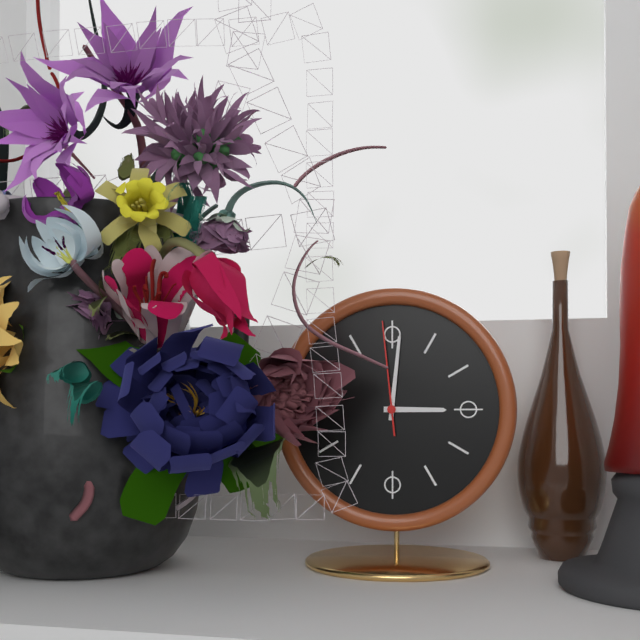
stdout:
3:01:59
